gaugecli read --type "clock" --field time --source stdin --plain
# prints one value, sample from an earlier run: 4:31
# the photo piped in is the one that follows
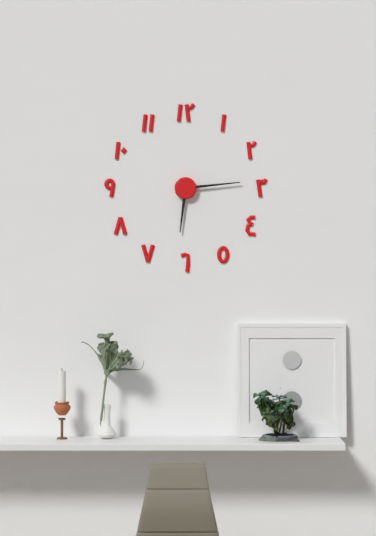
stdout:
6:14
